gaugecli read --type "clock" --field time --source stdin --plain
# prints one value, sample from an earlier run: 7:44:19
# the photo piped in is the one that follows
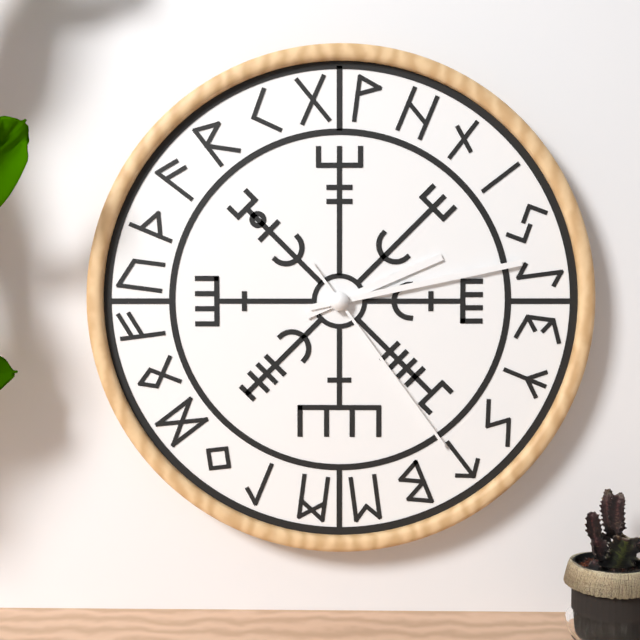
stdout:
2:13:24
